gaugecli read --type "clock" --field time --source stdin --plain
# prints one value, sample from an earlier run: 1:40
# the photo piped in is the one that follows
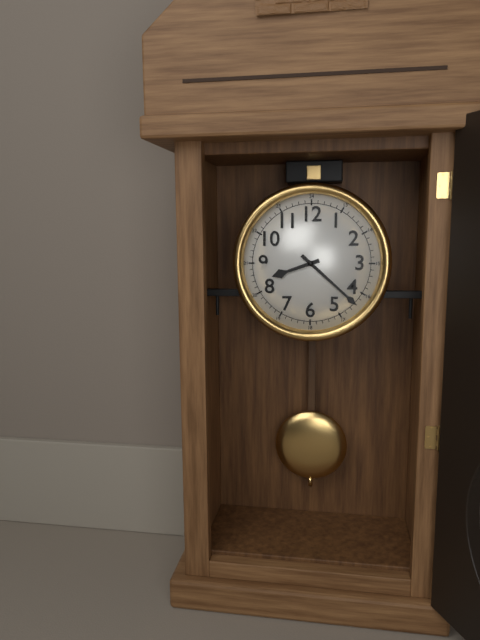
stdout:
8:22
